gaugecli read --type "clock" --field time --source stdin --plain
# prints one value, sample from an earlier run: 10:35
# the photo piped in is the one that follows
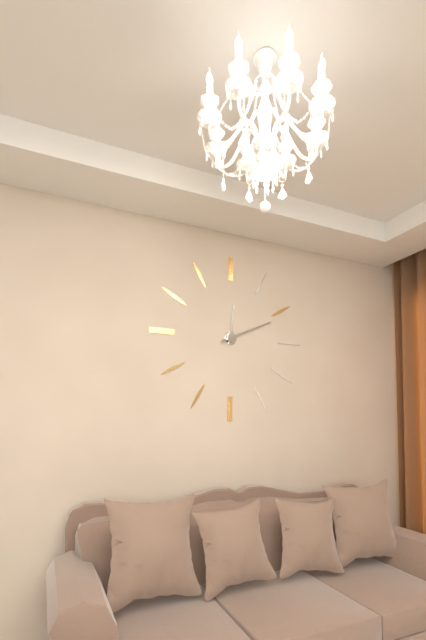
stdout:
12:11
